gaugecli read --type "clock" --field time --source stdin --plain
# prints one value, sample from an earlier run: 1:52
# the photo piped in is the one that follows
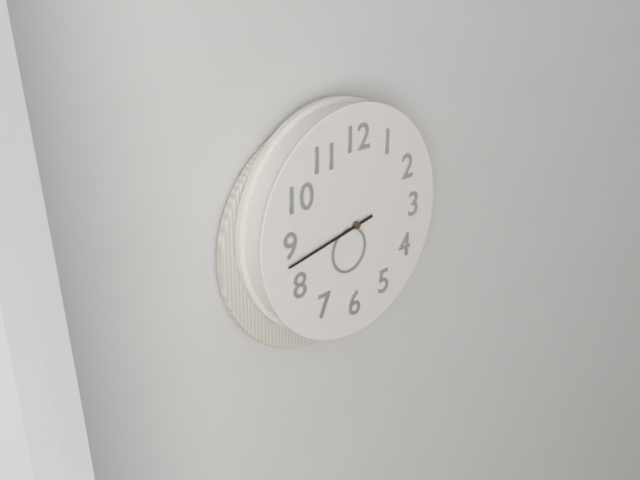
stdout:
6:43
